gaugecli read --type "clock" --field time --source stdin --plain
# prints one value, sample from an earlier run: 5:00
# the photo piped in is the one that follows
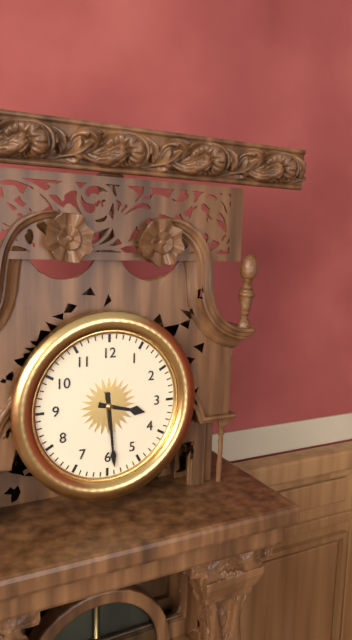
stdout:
3:29
